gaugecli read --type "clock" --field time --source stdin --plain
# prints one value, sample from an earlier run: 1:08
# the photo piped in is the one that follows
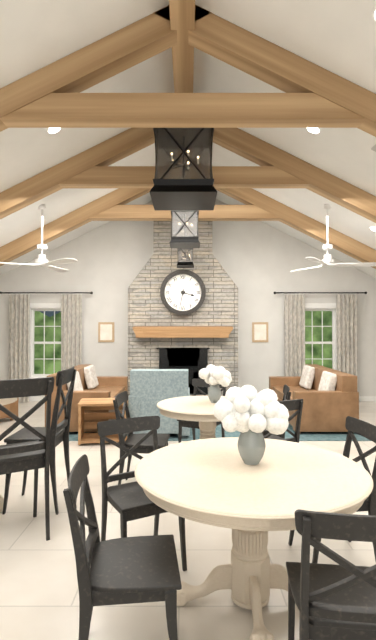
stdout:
3:32
